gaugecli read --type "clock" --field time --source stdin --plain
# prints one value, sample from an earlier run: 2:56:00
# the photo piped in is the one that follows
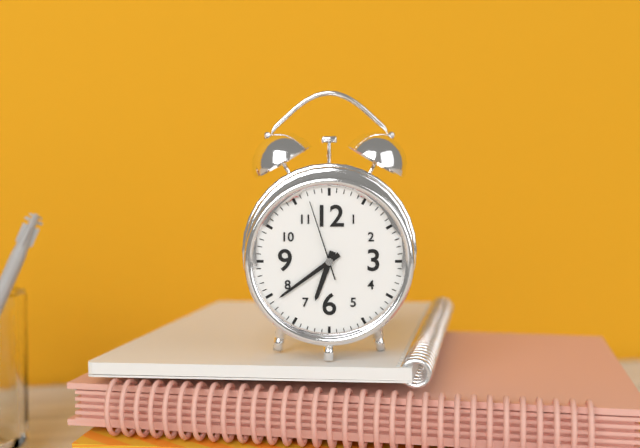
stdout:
6:39:57
